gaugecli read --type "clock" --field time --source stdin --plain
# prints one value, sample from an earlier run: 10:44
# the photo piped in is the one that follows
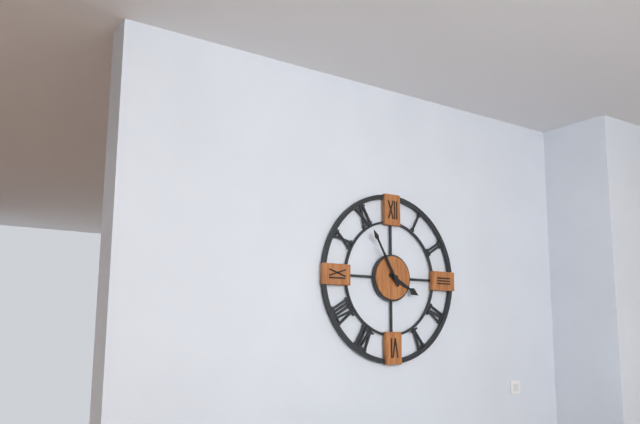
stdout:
3:55
